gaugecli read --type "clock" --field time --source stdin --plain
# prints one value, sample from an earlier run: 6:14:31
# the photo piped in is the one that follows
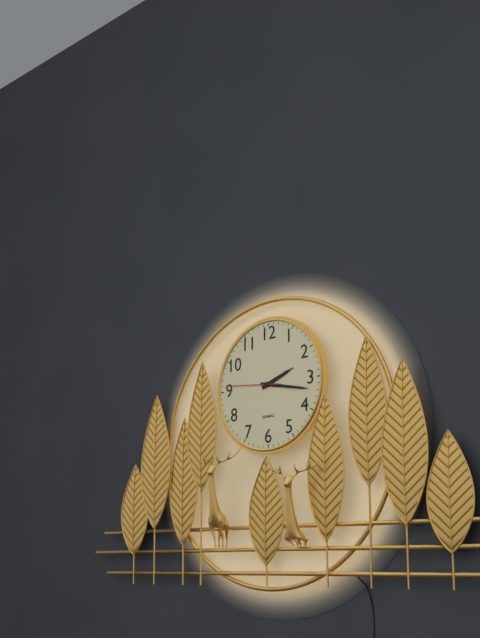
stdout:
2:17:46
